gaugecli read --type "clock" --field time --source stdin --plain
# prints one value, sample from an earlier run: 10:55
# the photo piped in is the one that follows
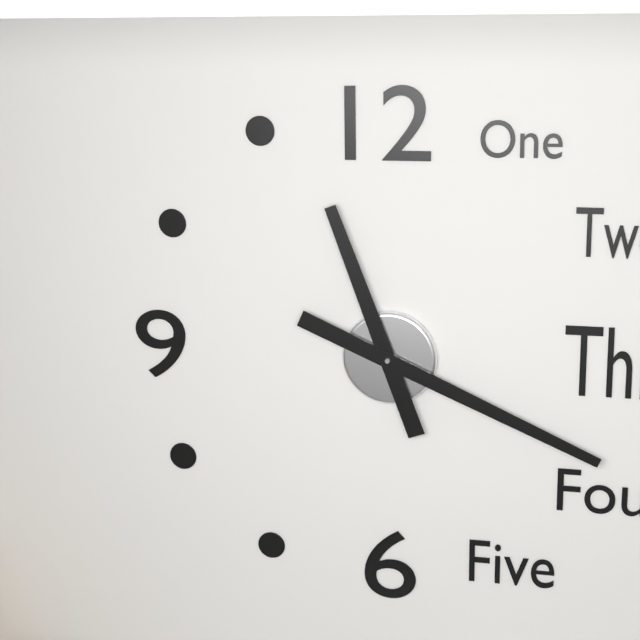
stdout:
11:19
